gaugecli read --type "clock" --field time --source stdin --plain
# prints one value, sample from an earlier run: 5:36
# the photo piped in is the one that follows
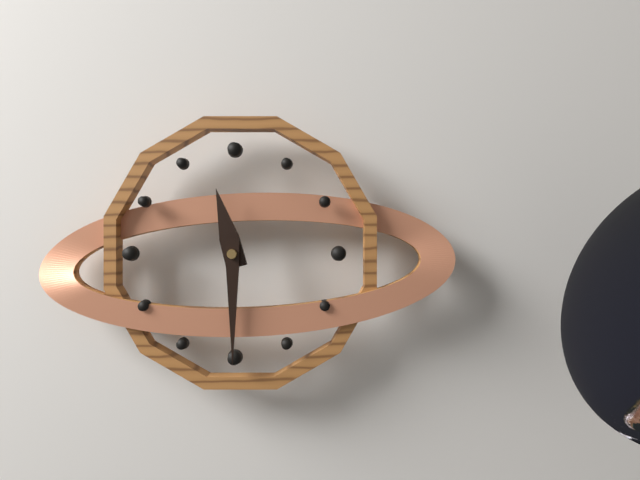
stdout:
11:30
